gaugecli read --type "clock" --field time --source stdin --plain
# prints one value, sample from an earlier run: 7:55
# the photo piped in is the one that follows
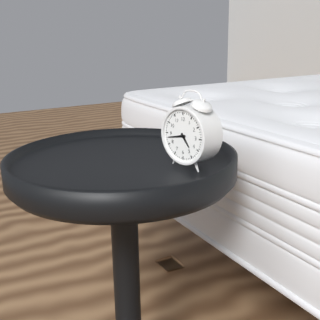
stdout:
4:43
